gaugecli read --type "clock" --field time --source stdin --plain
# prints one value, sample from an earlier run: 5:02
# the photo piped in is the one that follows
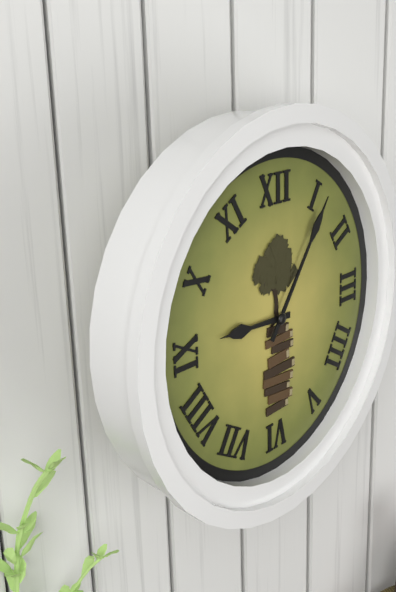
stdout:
9:06
